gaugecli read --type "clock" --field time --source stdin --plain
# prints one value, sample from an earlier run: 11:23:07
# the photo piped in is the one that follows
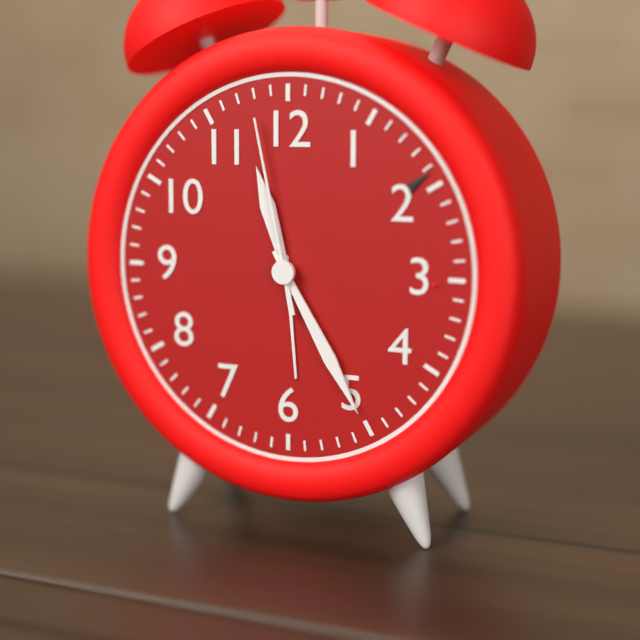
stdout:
11:25:58
